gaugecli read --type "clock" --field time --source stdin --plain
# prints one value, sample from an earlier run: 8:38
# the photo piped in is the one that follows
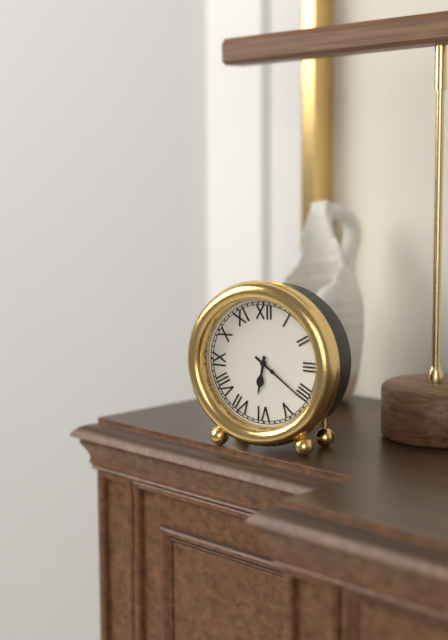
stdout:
6:21
